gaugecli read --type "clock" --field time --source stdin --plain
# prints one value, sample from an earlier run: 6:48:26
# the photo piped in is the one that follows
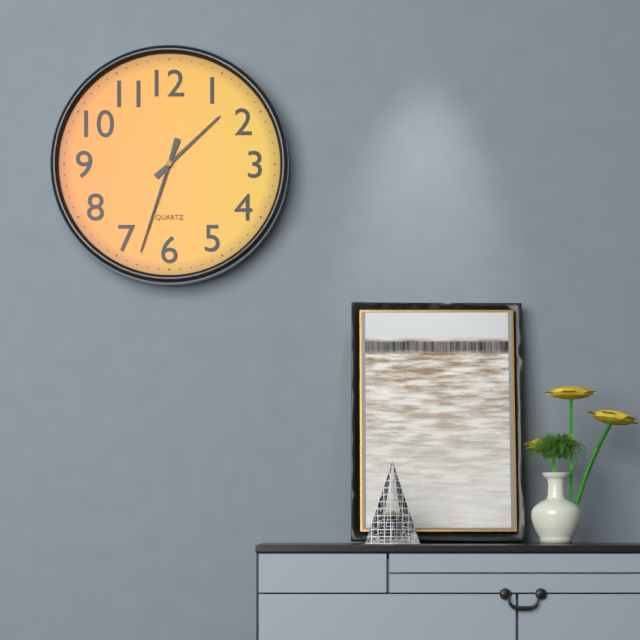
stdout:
1:33:33
